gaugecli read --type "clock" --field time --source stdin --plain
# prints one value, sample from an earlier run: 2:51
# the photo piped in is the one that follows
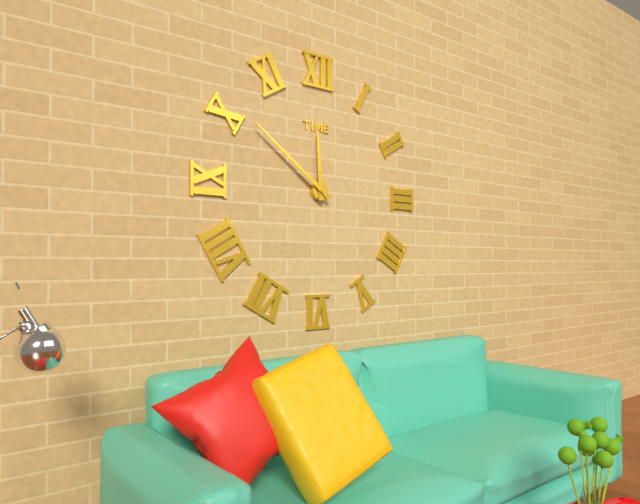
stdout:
11:51
